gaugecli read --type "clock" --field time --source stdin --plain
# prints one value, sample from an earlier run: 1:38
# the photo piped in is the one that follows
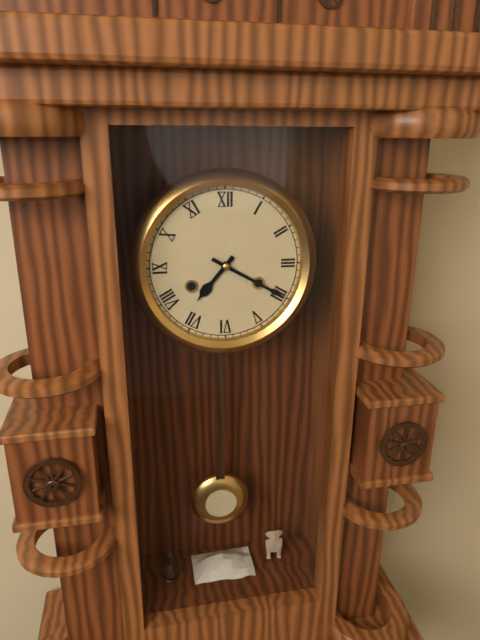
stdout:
7:20
